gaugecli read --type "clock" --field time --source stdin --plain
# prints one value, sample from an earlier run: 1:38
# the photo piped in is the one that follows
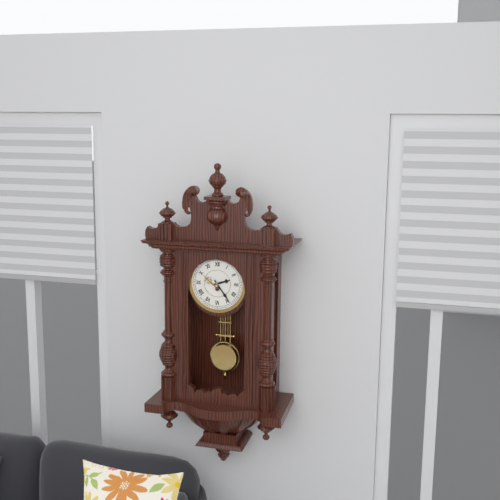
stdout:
2:24
